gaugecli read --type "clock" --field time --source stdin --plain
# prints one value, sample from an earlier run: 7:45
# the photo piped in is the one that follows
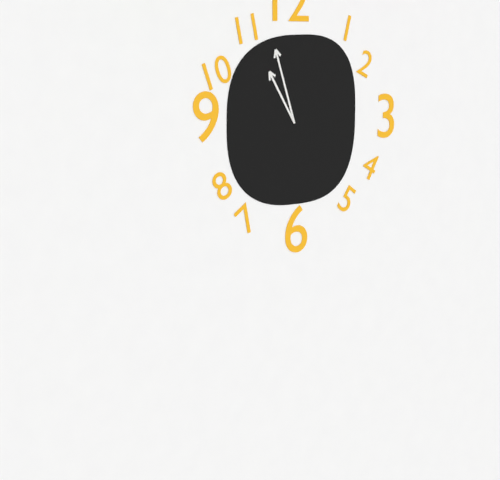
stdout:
10:57
